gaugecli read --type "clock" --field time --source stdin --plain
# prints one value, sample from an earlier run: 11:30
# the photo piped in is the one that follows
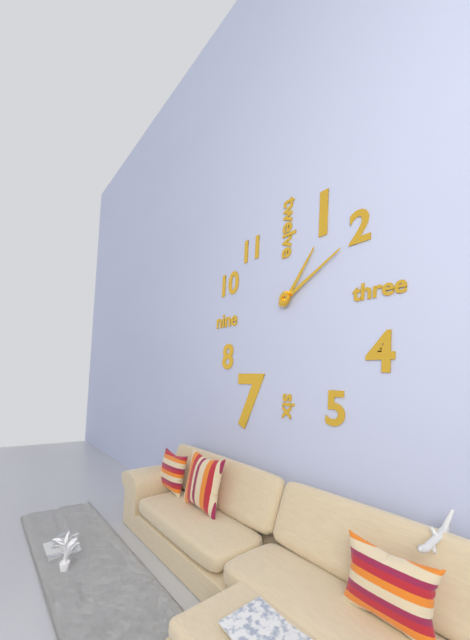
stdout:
1:10
